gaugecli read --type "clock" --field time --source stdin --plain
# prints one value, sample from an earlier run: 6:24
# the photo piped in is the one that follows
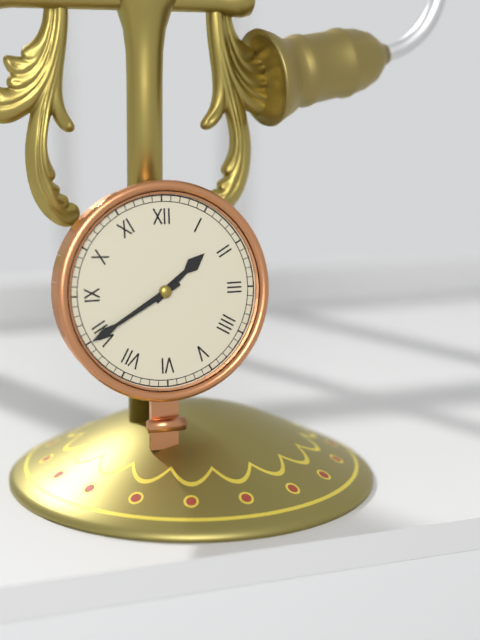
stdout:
1:40
